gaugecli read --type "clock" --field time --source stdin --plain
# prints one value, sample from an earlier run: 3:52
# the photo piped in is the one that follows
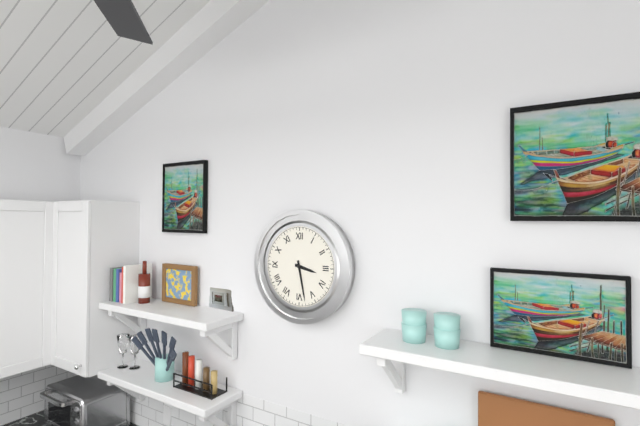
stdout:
3:28
